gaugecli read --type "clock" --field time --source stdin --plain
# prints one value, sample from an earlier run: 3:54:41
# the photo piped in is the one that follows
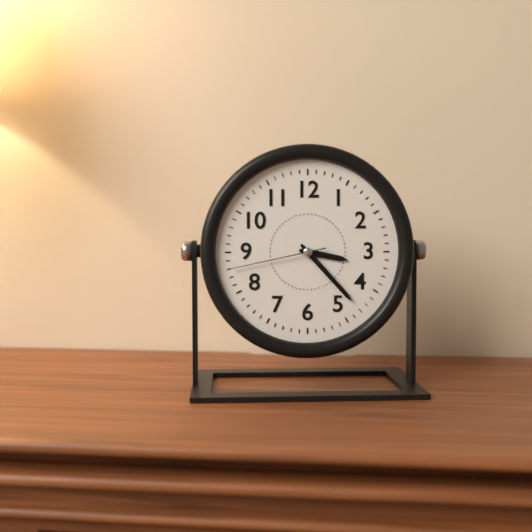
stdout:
3:23:43
